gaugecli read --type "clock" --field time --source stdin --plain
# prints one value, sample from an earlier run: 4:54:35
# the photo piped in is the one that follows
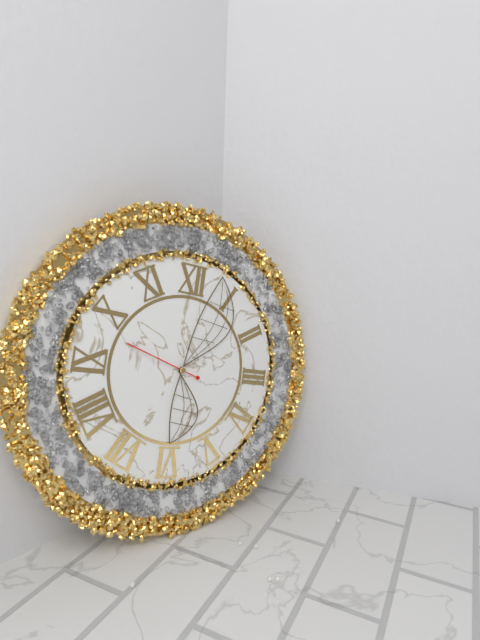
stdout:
6:03:48
